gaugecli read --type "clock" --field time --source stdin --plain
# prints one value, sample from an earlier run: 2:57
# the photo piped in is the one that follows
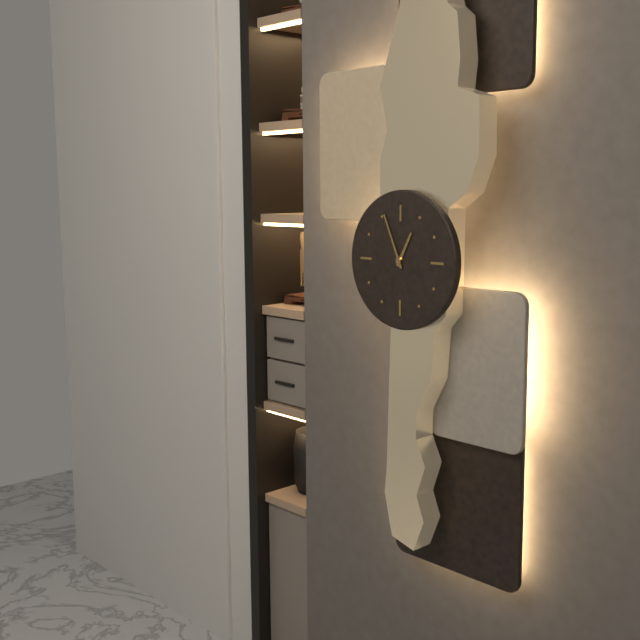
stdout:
12:56
